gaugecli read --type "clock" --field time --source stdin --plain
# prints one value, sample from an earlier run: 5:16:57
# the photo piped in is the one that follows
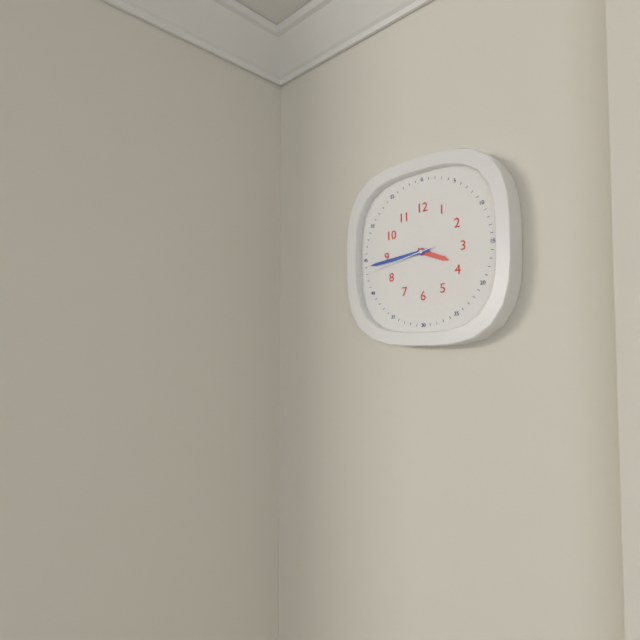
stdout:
3:44:43
